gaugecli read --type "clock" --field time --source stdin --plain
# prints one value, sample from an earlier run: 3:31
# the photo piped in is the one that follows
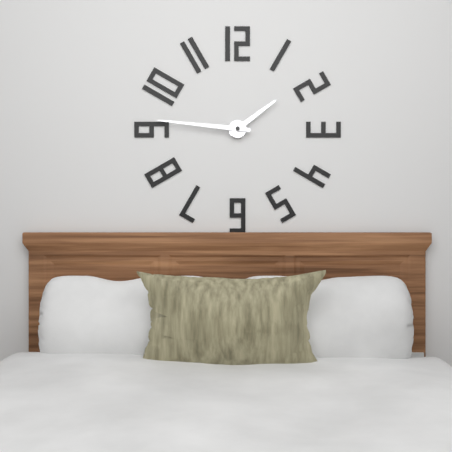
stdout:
1:46
